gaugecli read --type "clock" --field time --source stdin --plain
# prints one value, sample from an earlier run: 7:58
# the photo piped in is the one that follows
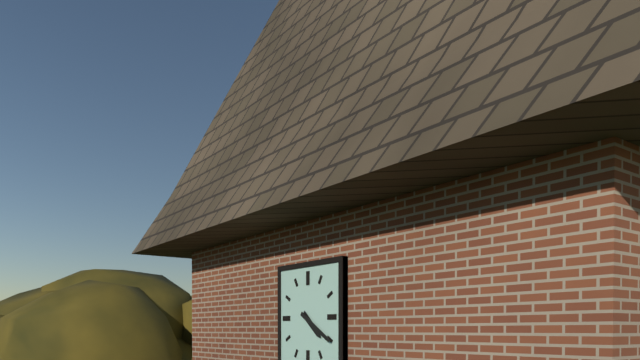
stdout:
4:20
